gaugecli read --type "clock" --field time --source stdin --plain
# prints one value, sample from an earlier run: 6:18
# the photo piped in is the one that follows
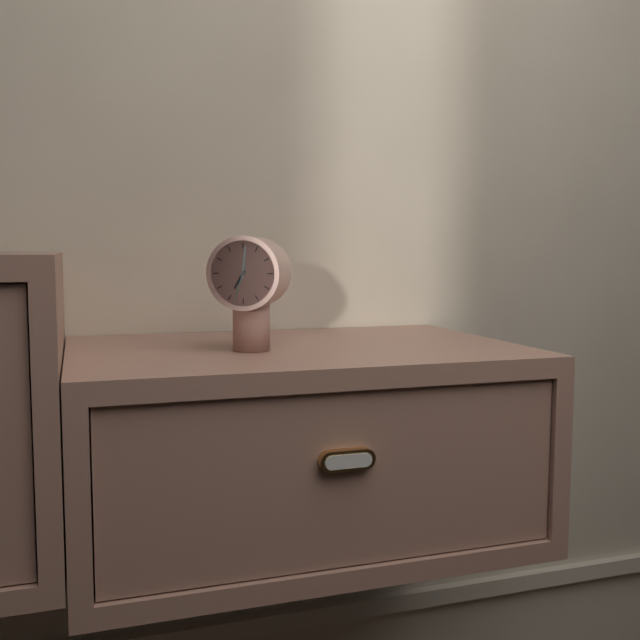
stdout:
7:01
